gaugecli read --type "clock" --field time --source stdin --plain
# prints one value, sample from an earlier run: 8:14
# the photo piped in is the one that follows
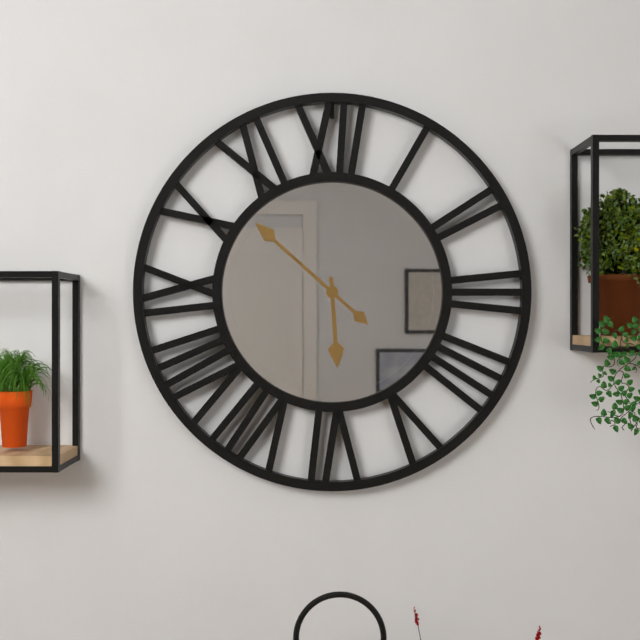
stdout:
5:52
